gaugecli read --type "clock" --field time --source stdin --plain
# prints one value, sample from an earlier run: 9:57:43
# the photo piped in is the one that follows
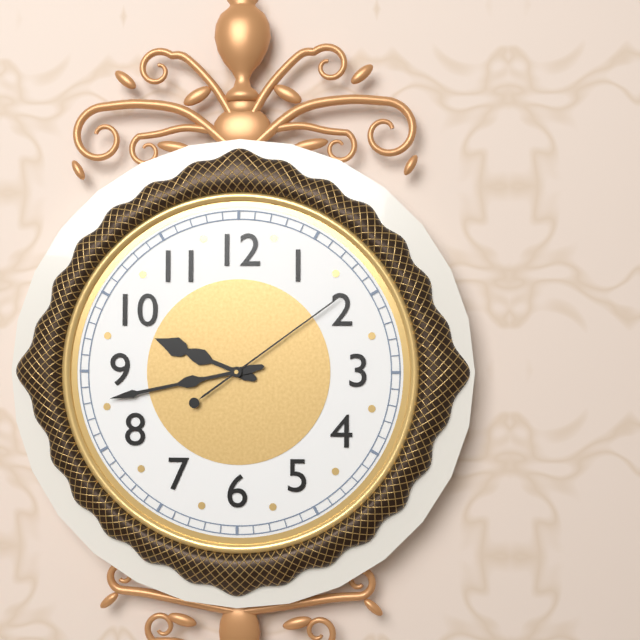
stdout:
9:43:09
